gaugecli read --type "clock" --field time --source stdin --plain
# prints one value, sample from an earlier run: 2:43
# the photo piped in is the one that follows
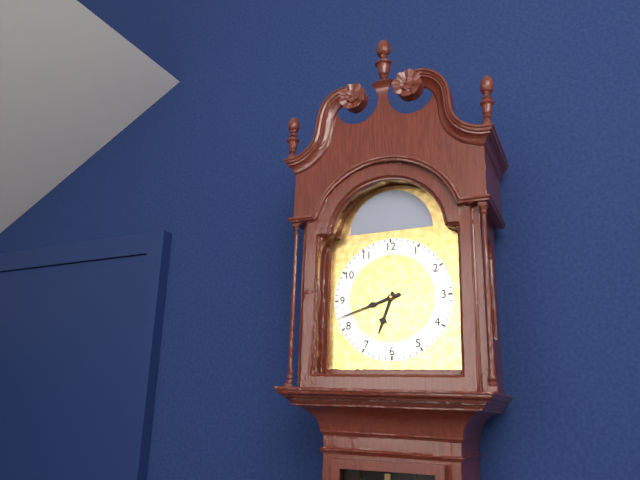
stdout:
6:42
